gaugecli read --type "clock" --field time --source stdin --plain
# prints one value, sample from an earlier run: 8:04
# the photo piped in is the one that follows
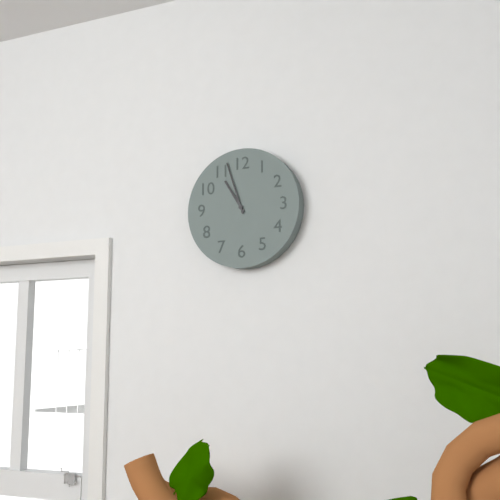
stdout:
10:57
